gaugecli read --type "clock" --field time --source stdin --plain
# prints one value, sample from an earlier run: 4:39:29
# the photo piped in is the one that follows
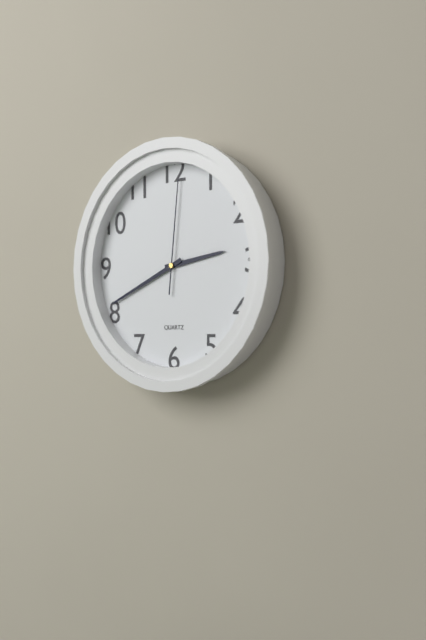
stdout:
2:41:01
